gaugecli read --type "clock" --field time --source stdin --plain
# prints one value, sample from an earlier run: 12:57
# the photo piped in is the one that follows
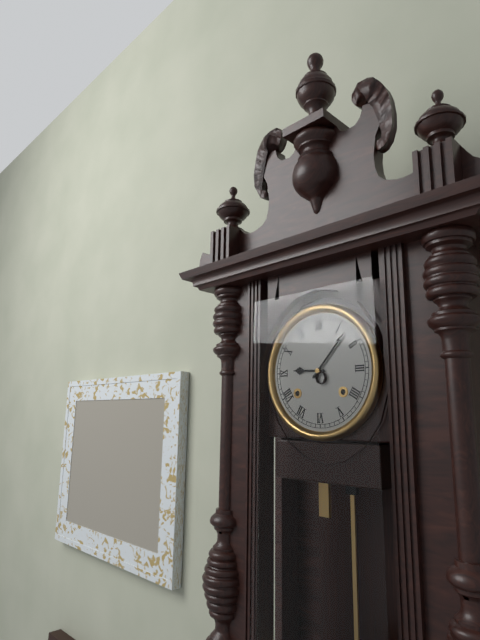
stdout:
9:07
